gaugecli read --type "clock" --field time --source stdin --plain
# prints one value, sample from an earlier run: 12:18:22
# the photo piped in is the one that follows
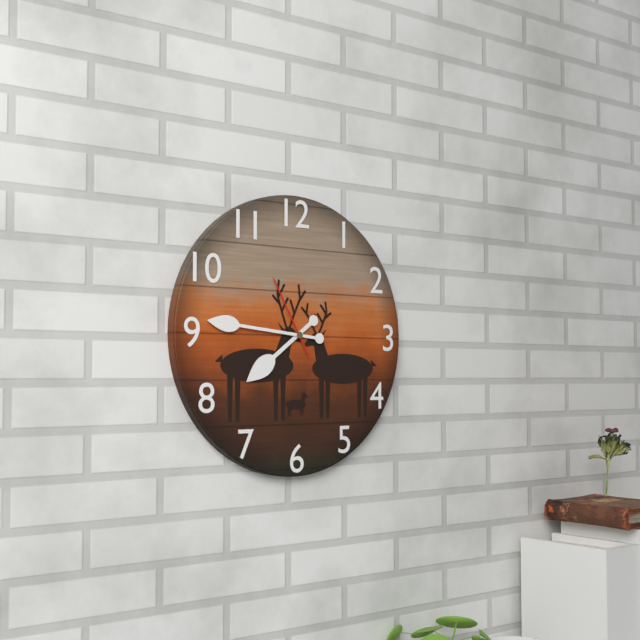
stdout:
7:46:55
